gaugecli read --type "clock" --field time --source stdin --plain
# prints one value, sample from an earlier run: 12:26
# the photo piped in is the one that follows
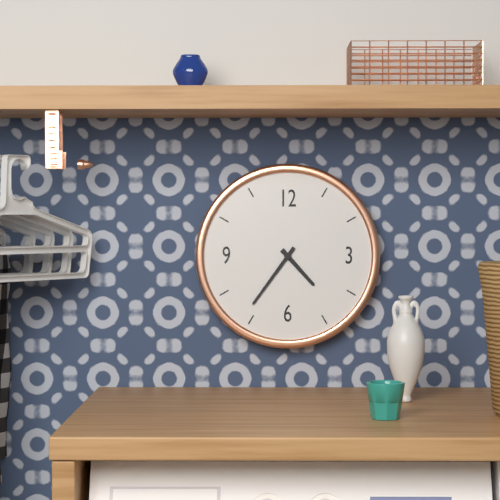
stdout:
4:36
